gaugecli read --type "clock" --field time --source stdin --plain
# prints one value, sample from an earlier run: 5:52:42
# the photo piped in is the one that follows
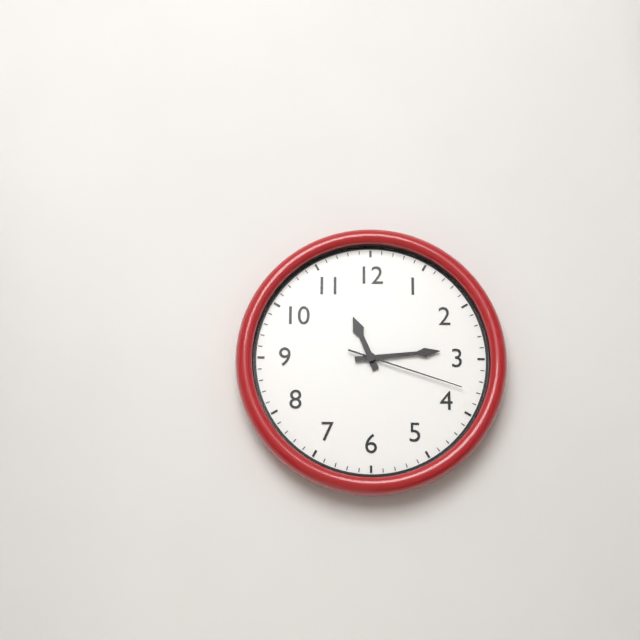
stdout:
11:14:18
